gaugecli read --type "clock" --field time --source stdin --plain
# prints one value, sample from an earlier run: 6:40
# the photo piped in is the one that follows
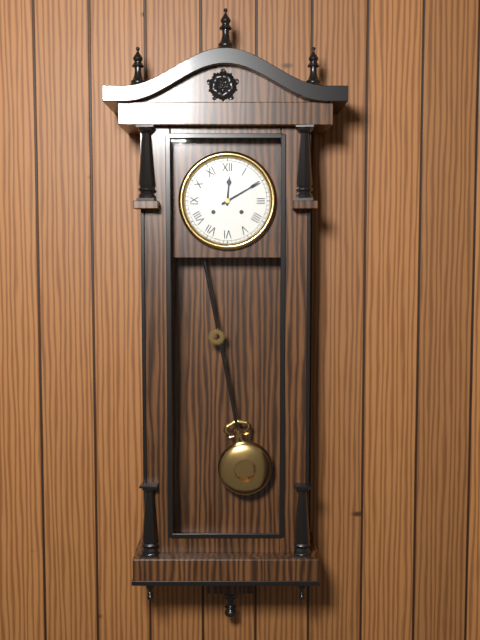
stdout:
12:10
